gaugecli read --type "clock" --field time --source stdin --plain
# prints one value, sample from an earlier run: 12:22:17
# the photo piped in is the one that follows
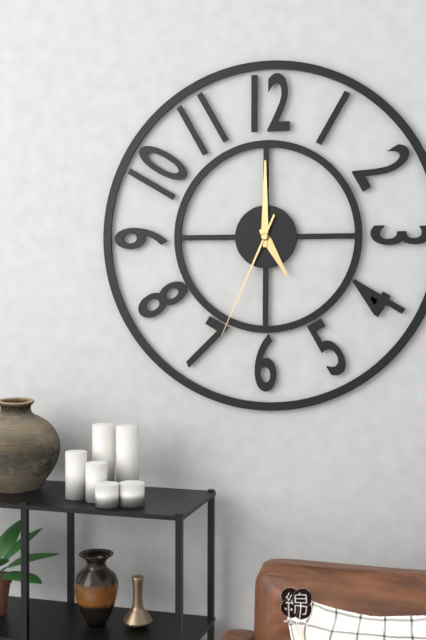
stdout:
5:00:34
